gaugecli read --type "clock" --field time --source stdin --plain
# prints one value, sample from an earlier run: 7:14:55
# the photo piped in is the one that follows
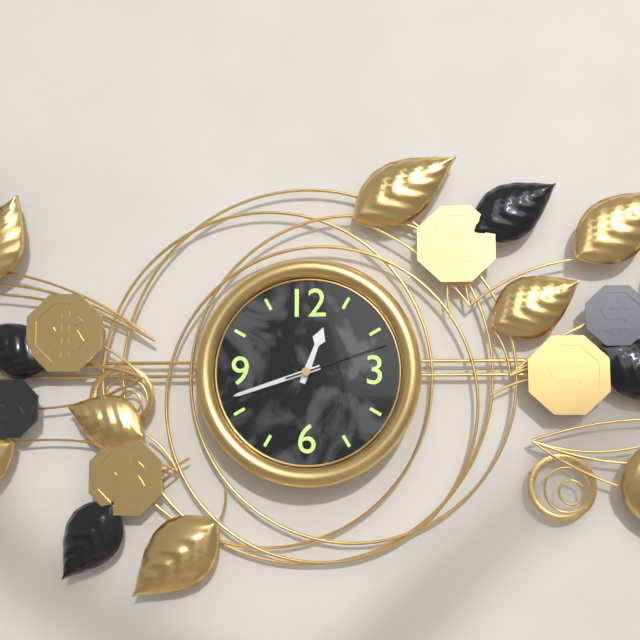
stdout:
12:42:12
